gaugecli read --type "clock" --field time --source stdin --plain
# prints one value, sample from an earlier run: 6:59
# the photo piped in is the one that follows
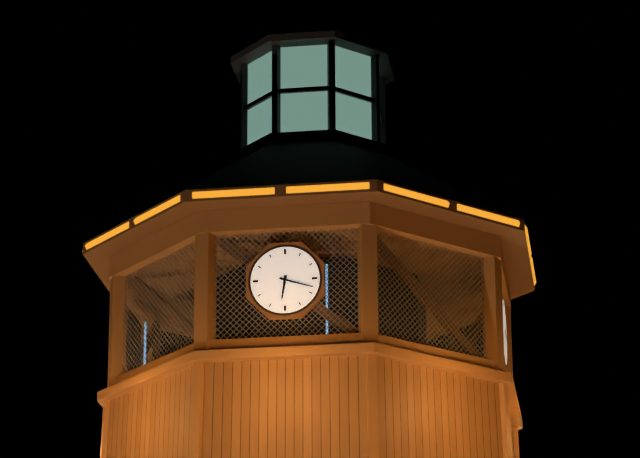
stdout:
6:18
